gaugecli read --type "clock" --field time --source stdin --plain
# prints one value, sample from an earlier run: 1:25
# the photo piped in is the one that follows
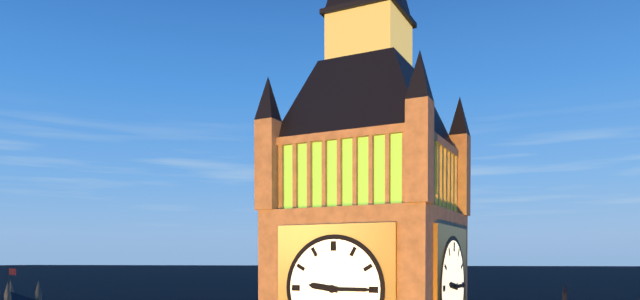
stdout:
9:15
